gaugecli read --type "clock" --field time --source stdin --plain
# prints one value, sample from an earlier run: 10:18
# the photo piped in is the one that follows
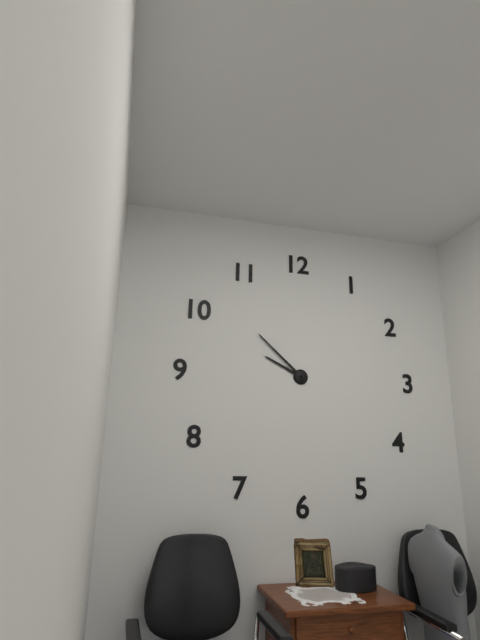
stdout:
9:52
